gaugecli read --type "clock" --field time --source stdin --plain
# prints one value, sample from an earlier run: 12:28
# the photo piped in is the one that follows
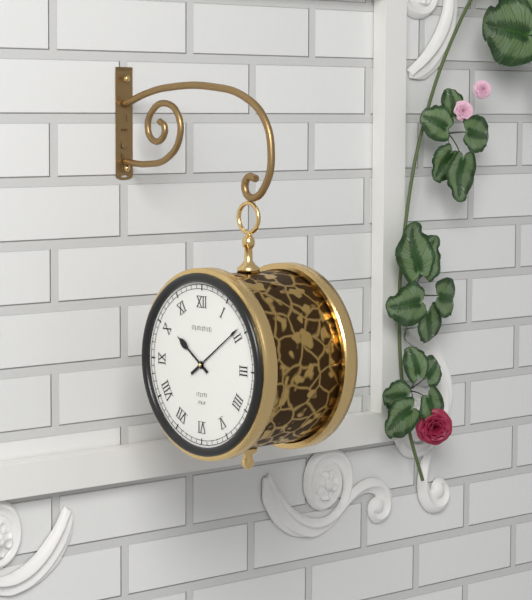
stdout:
10:09
